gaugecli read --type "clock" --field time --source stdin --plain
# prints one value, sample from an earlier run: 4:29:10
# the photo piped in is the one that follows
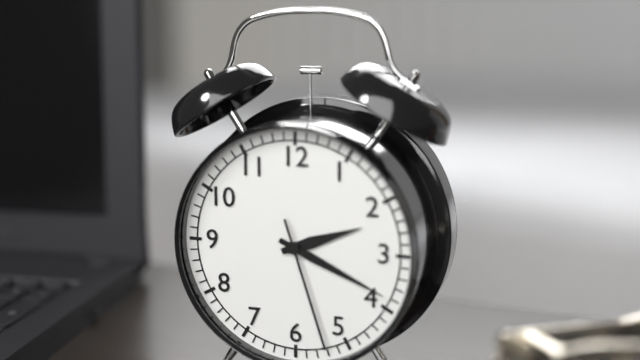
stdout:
2:19:27
